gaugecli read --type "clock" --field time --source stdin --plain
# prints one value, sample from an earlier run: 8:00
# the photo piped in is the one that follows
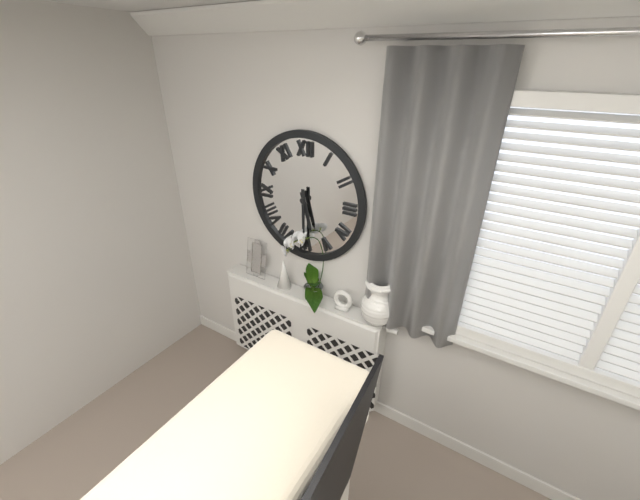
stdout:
5:30
